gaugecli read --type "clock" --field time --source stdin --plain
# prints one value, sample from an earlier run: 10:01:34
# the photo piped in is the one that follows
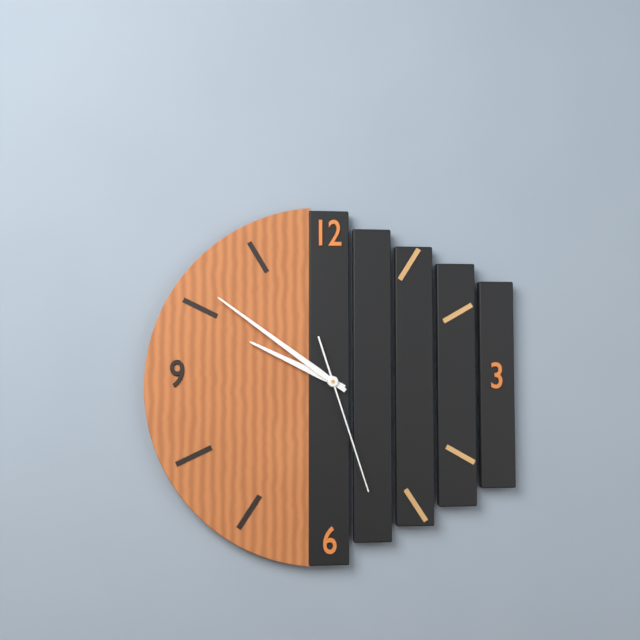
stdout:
9:51:27
